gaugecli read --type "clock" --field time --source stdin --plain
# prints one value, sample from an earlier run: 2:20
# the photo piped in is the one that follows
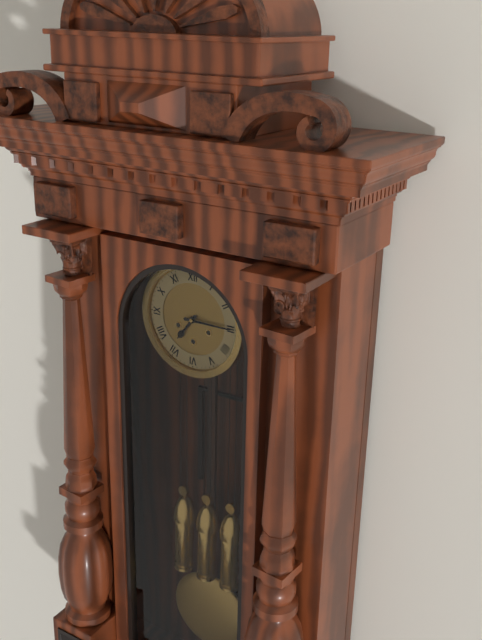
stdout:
7:15
